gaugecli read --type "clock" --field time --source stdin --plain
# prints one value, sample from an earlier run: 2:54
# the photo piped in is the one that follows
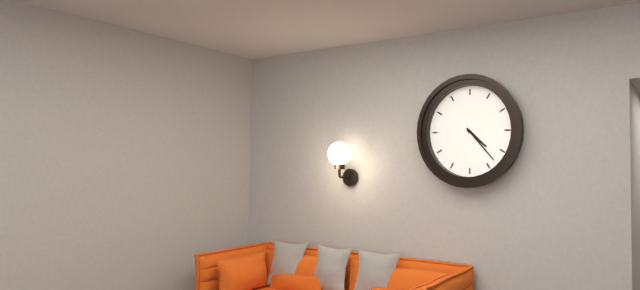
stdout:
4:23
